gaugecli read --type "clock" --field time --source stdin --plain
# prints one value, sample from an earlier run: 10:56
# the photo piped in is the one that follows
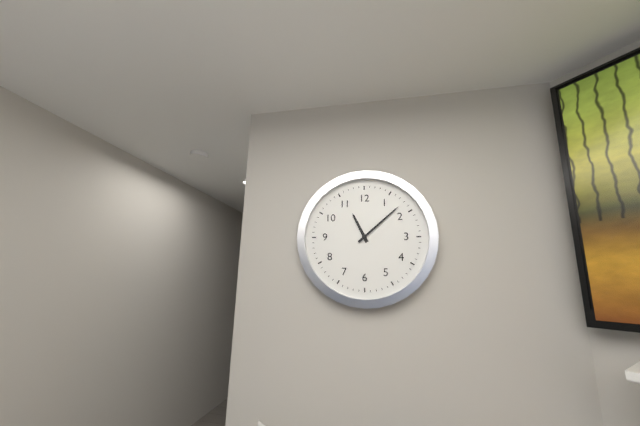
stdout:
11:08
